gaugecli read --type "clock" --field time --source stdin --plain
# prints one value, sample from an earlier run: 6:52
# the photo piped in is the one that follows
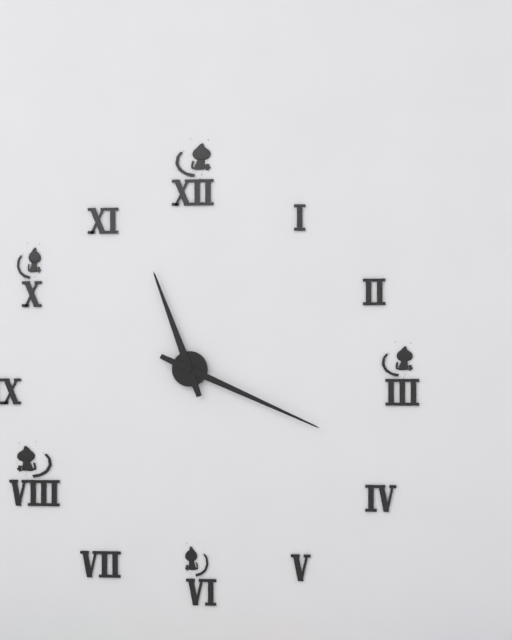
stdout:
11:19
